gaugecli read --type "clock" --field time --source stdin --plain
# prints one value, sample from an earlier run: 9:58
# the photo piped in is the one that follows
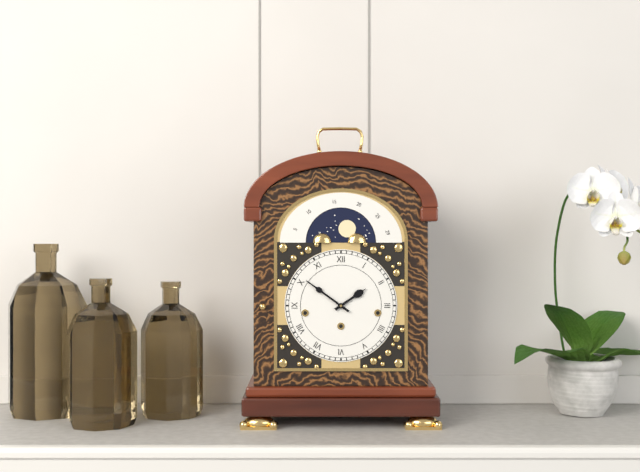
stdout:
1:51
